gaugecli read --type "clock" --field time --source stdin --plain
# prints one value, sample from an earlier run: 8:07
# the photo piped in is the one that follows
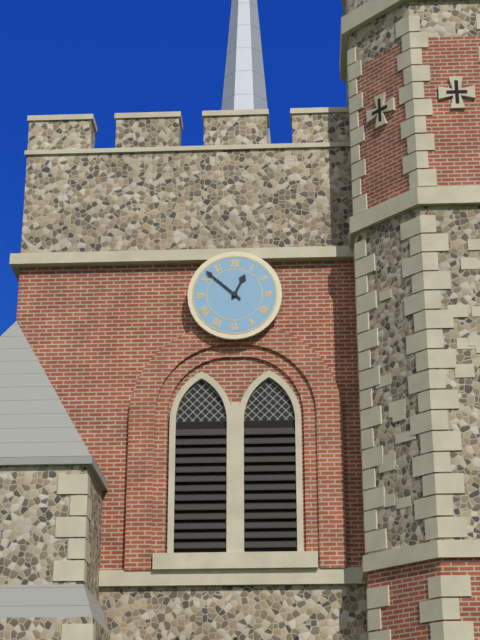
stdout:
12:52
